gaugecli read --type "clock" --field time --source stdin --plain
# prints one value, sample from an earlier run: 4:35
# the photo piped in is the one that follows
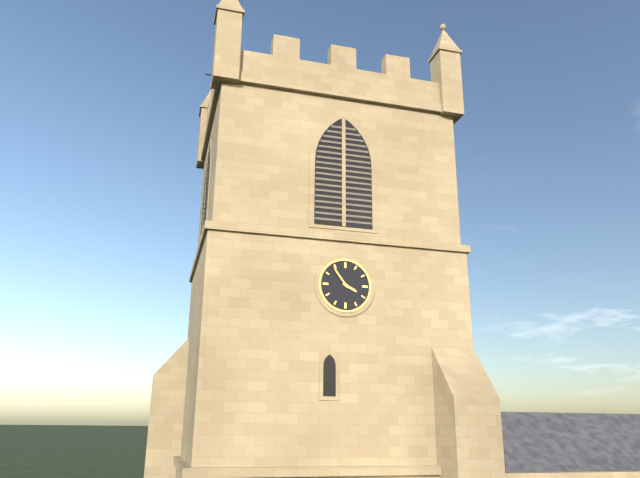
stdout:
3:54
